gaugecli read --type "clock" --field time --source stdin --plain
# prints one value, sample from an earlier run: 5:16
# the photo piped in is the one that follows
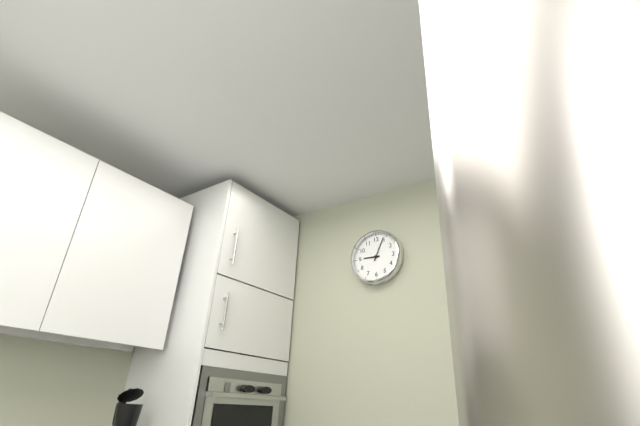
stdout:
9:04
